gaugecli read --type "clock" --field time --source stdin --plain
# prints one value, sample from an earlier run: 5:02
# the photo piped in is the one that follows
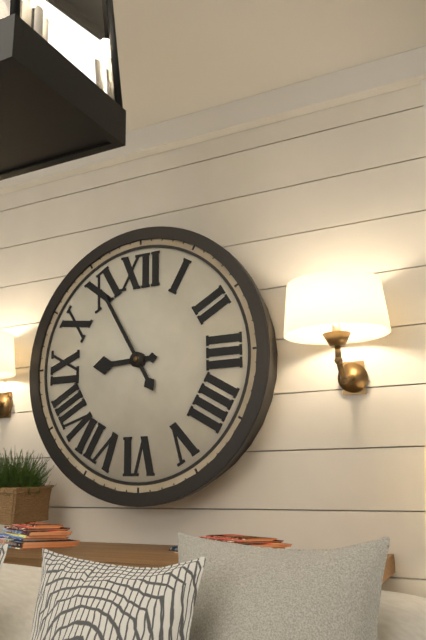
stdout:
8:55
